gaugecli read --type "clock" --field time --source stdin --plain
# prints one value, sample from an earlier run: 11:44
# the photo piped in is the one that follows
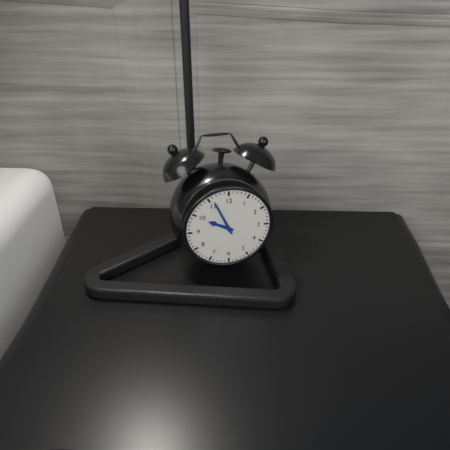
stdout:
9:56
